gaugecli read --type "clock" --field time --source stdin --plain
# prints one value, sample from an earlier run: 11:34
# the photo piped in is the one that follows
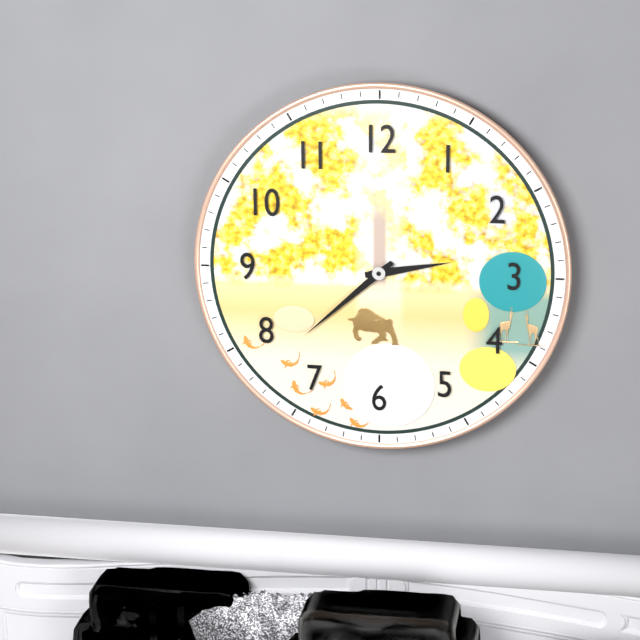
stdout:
2:38
